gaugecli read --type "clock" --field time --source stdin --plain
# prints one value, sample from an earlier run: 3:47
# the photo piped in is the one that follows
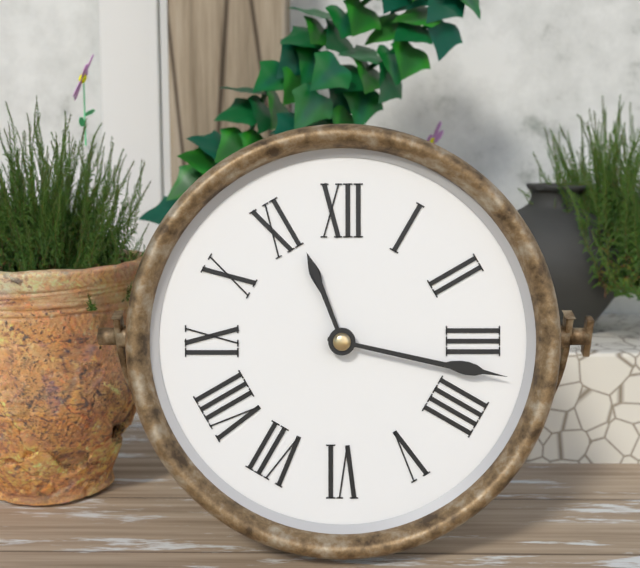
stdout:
11:17
